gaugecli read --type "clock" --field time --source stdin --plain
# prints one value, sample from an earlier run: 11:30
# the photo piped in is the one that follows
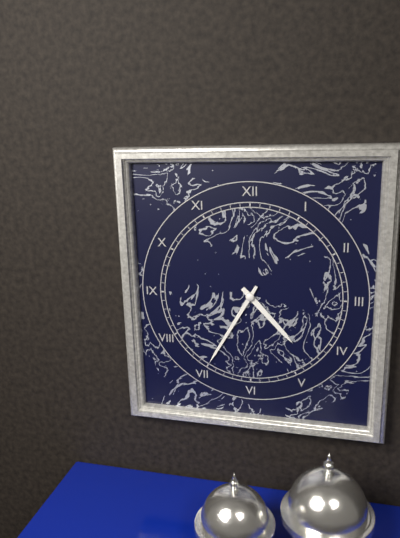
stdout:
4:35
